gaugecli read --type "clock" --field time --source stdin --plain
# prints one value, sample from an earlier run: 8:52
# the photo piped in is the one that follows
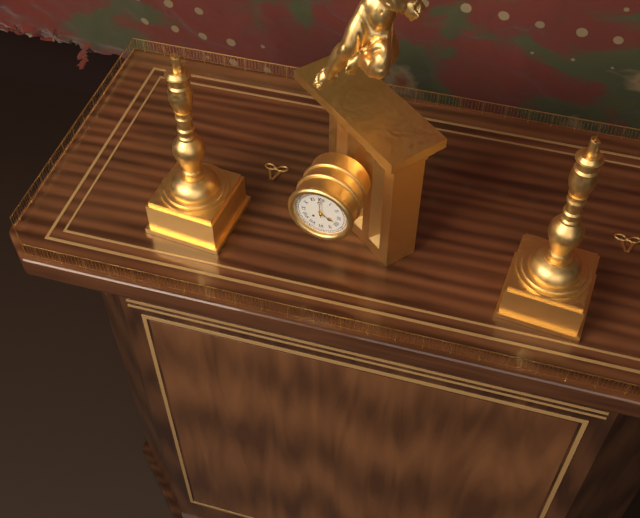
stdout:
3:59
